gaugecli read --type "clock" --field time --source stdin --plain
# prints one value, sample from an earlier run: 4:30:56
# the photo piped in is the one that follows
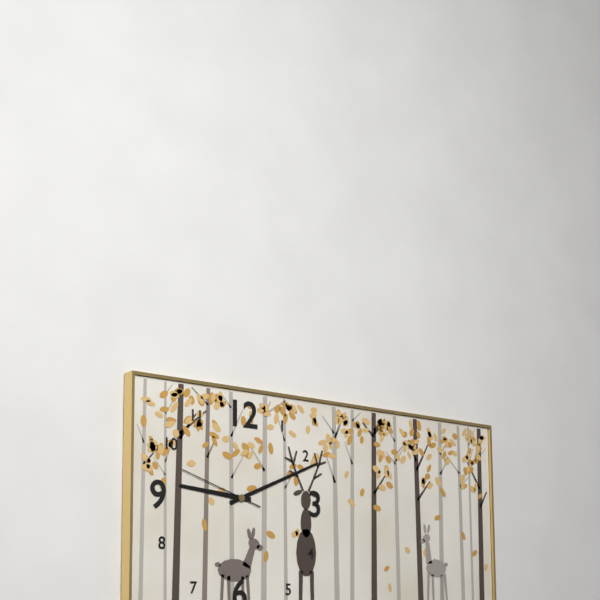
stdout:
9:11:48
